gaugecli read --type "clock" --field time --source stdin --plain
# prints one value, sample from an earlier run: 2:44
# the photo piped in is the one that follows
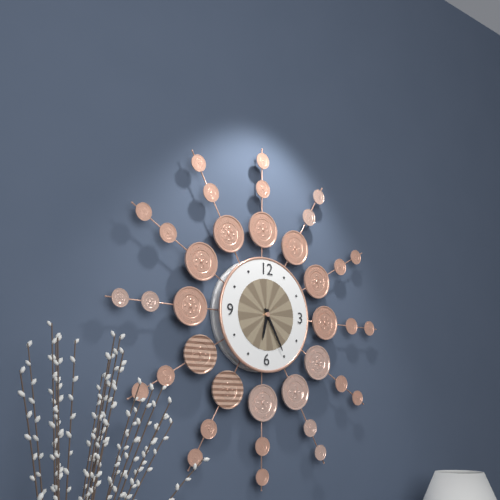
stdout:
6:25
